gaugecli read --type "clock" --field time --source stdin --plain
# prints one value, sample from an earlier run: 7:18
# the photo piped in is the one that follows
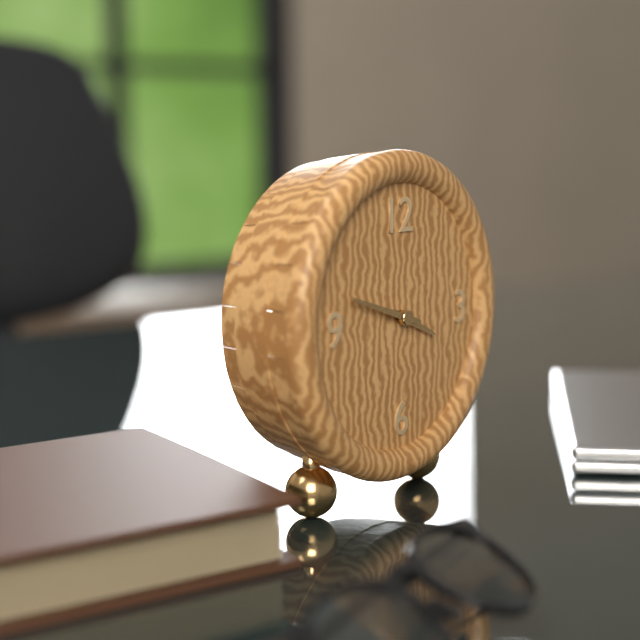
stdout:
3:48
